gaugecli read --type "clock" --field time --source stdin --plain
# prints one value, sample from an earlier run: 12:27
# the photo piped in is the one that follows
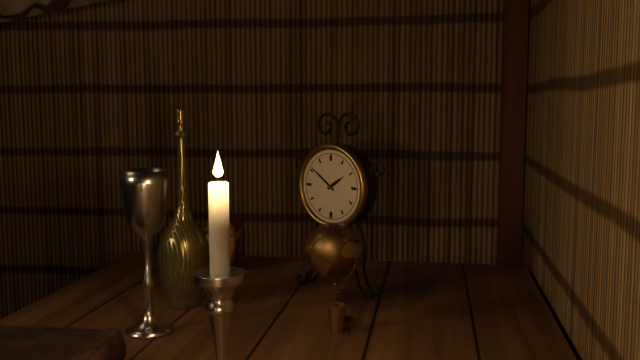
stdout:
1:51
